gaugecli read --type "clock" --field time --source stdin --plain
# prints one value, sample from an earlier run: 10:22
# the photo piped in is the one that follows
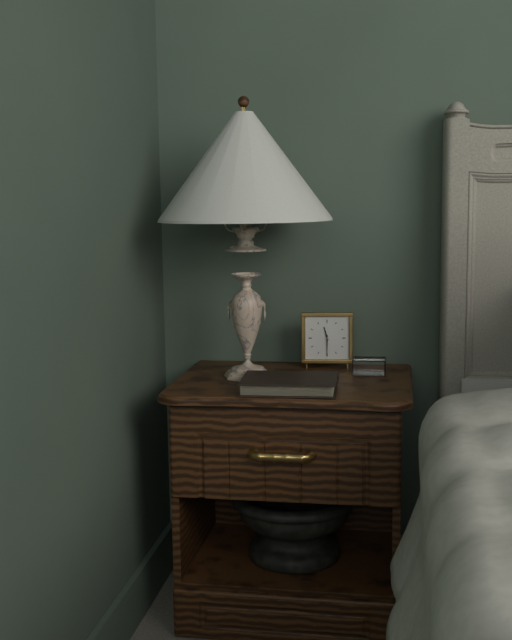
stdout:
11:30
